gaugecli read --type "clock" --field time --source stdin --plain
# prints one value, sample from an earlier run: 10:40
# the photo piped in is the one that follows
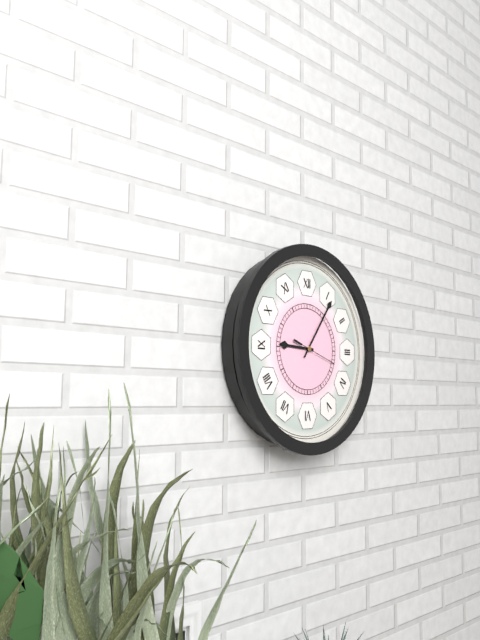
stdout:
9:06
